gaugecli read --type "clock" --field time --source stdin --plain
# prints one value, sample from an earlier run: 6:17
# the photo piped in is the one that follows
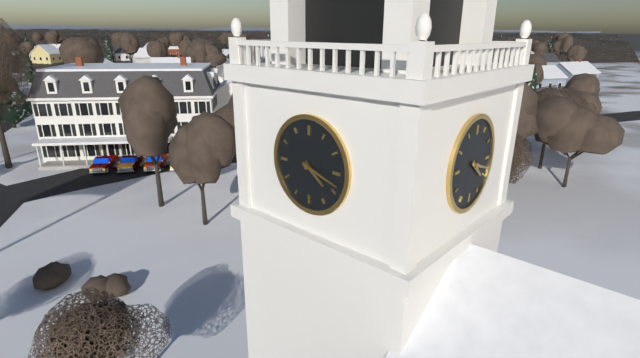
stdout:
4:18
